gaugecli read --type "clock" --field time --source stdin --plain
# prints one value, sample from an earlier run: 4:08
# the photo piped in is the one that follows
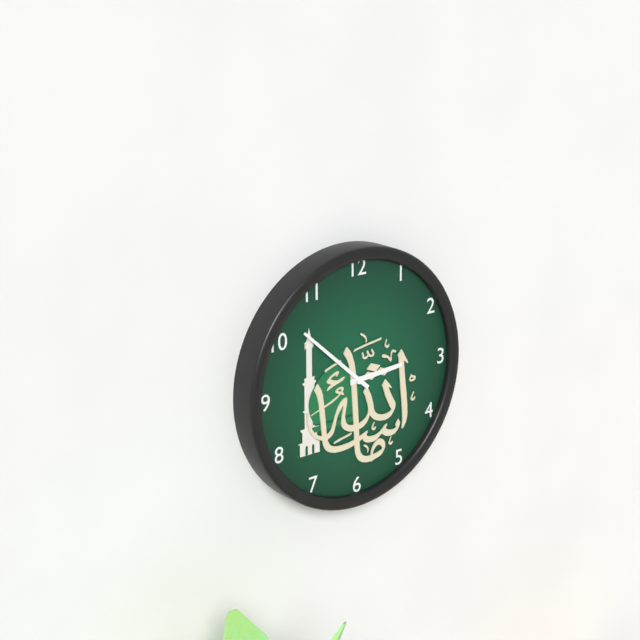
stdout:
2:52
